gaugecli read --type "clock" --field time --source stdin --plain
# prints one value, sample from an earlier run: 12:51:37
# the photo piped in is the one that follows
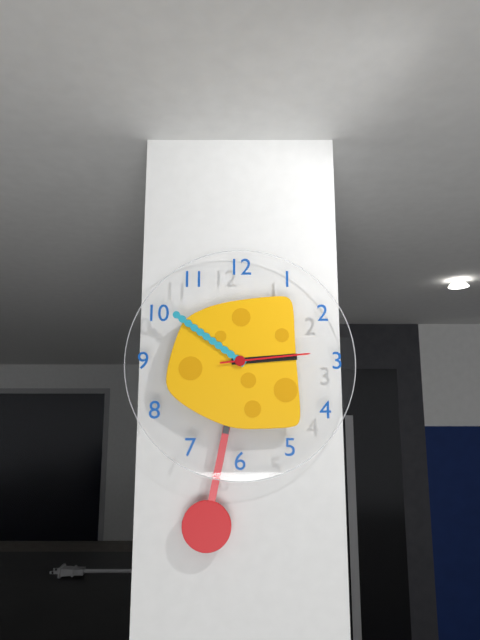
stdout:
2:51:14
